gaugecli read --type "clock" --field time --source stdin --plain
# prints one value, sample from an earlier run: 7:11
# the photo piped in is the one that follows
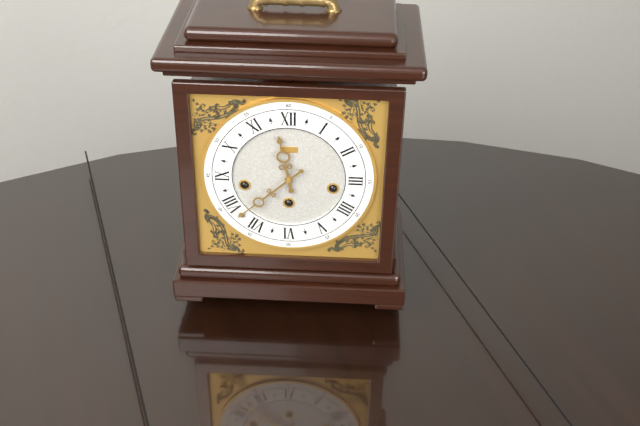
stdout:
11:38
